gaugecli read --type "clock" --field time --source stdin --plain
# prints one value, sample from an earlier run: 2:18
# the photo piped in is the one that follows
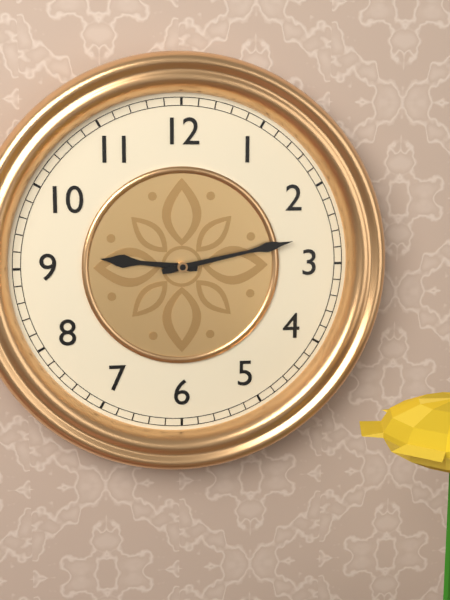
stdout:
9:13
